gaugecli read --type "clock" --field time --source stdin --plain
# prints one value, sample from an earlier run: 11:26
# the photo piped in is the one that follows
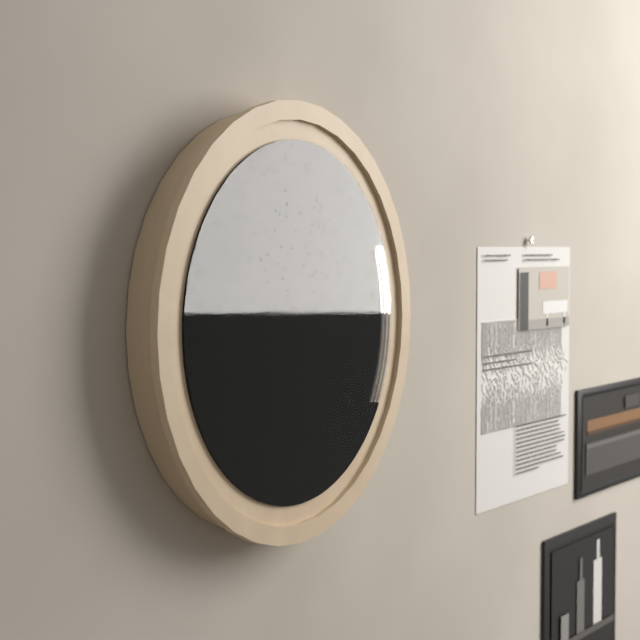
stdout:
11:06
